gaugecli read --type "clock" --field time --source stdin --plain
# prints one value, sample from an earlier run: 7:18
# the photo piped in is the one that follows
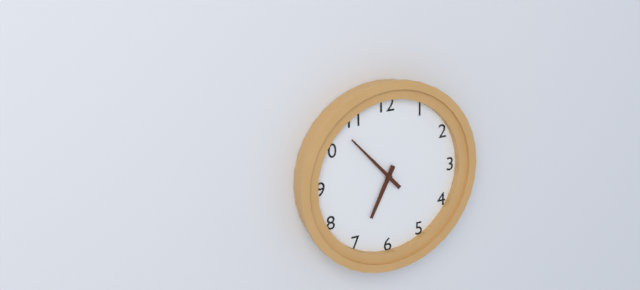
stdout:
6:53
